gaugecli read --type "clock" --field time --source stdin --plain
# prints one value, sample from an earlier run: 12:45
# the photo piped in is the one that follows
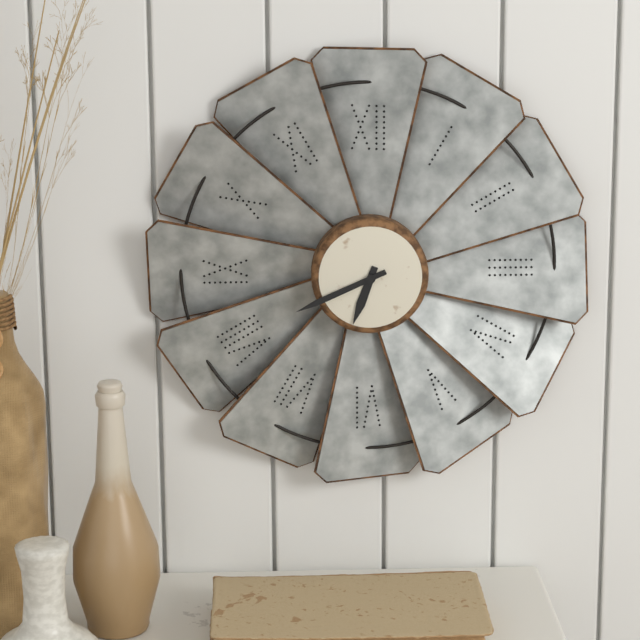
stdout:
6:41
